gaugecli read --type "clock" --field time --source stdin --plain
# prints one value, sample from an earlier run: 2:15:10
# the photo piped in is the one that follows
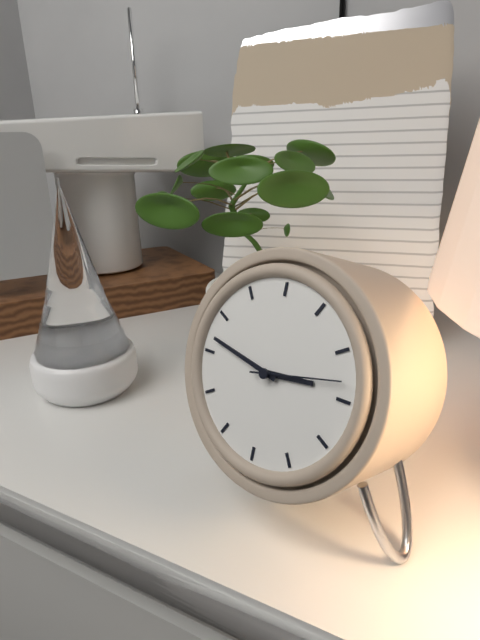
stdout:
2:47:13
